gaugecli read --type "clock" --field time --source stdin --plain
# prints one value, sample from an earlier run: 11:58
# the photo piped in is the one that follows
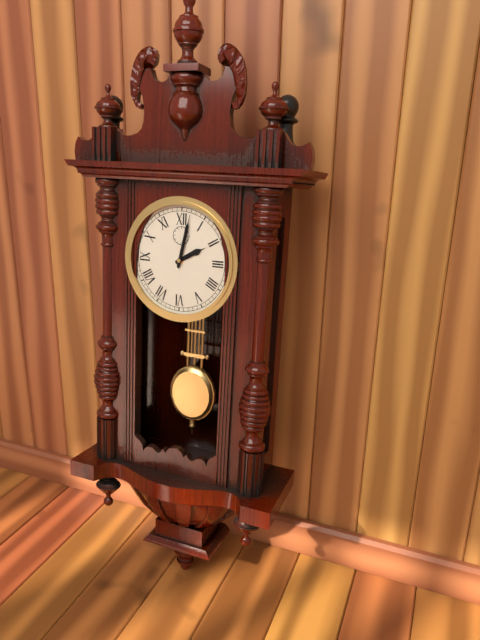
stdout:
2:02
